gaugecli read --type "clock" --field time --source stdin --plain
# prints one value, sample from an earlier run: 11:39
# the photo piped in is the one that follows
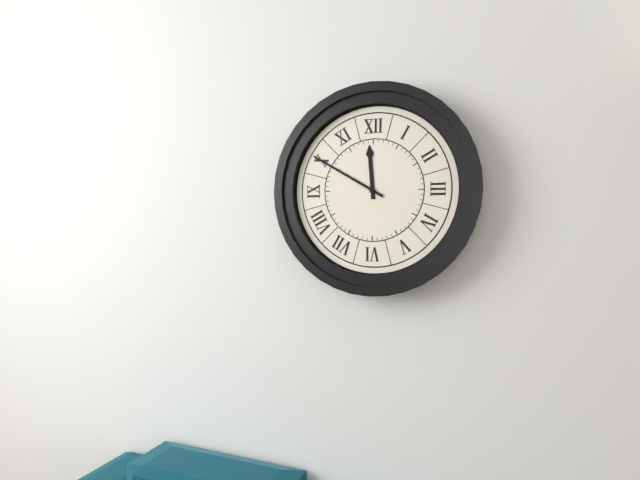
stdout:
11:50
